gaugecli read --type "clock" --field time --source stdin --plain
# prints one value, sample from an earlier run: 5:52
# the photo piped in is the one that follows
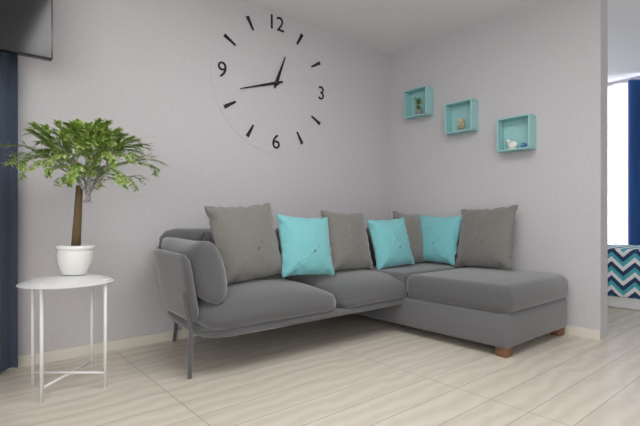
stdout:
12:42
